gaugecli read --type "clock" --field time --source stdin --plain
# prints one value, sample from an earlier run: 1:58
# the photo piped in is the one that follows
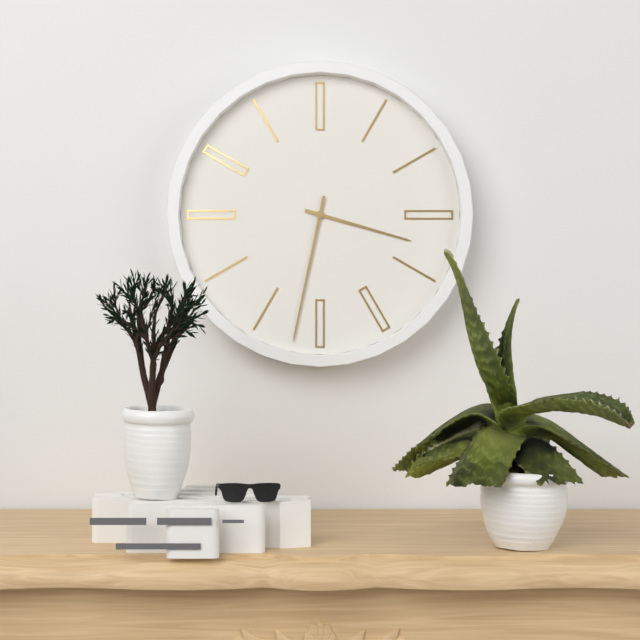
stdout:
3:32
